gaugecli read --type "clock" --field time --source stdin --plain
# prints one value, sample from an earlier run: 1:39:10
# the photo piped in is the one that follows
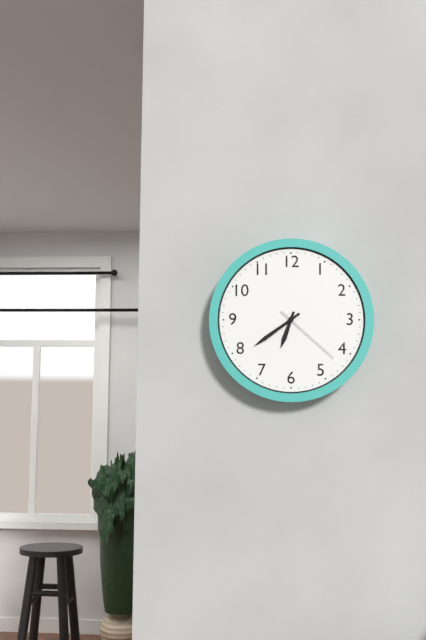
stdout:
6:39:22
